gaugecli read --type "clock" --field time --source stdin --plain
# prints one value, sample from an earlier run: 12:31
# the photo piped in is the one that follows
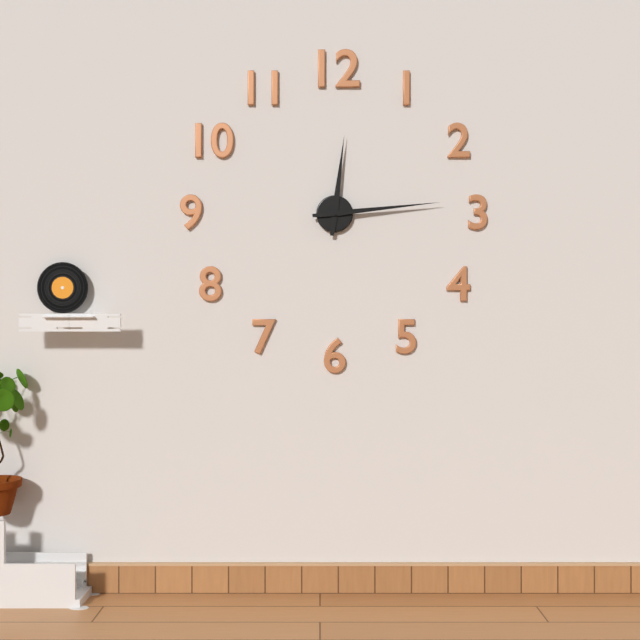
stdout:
12:14
